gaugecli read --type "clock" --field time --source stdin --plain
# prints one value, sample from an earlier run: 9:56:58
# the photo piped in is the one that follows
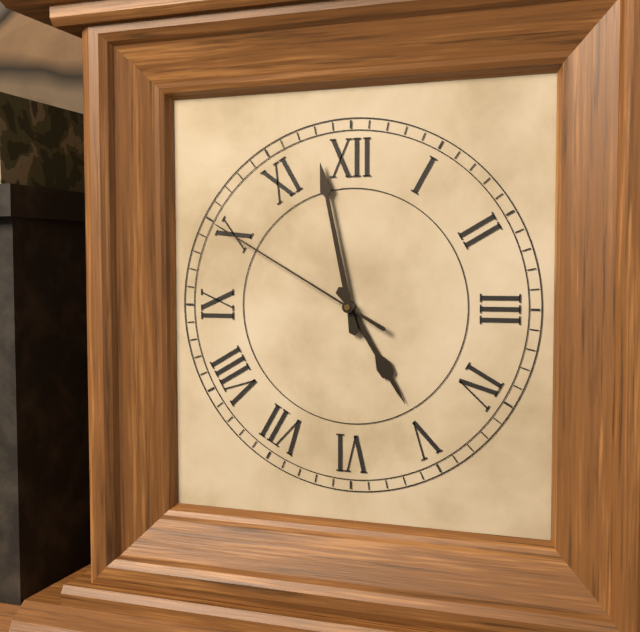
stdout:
4:58:50
